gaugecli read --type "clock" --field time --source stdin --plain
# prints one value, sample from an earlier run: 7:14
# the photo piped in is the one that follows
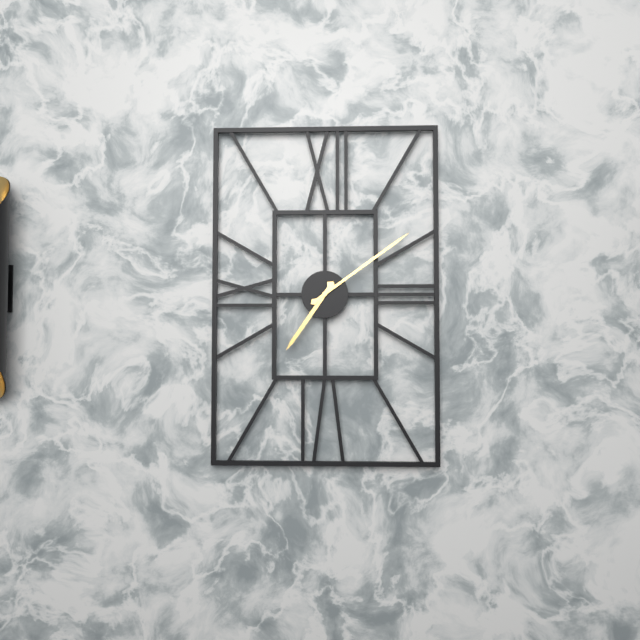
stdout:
7:09
